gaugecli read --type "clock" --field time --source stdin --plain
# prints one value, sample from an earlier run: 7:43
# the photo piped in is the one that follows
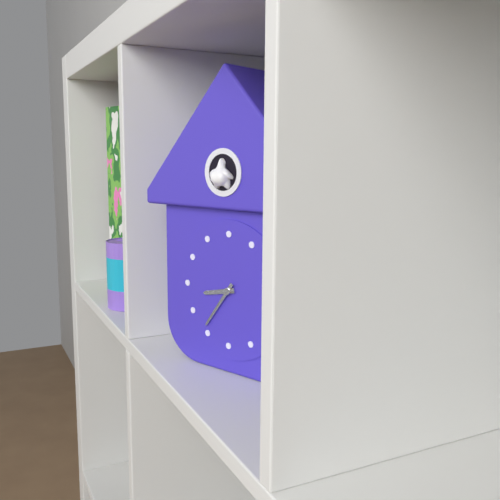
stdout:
8:36
